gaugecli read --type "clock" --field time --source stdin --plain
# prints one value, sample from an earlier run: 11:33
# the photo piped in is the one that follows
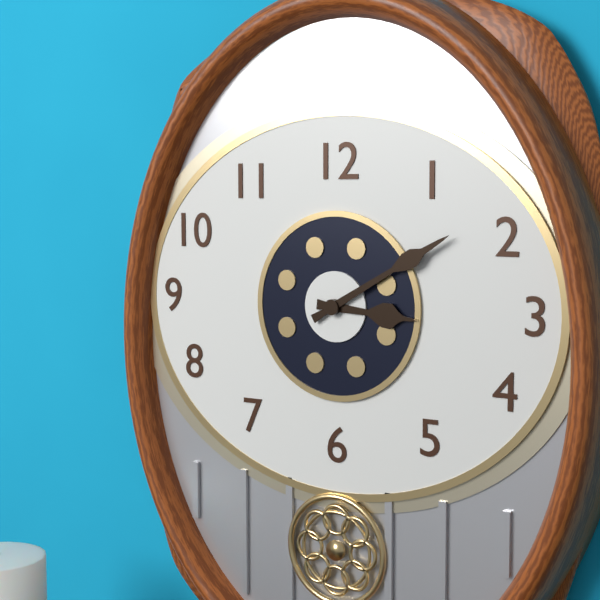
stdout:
3:10
